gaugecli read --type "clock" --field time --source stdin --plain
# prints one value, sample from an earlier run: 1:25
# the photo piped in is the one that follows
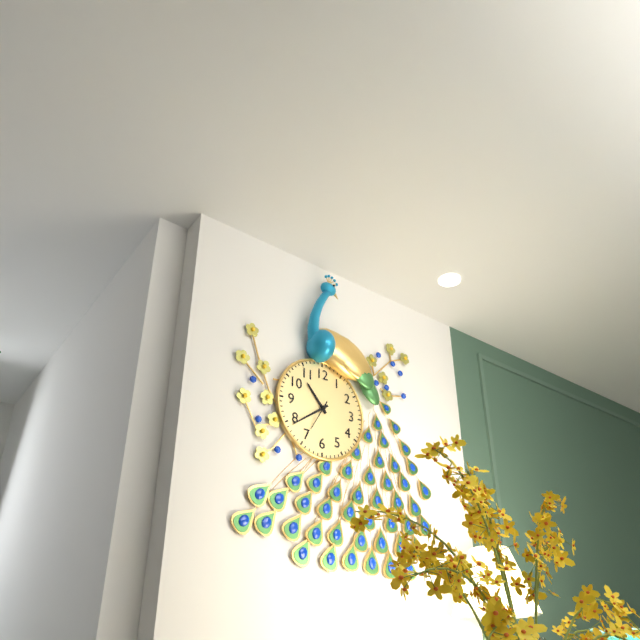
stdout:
10:39
